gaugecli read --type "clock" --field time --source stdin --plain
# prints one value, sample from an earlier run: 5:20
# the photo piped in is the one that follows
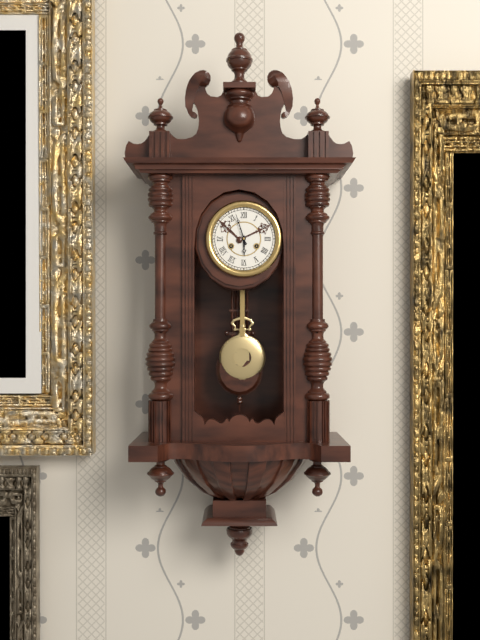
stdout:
5:57
